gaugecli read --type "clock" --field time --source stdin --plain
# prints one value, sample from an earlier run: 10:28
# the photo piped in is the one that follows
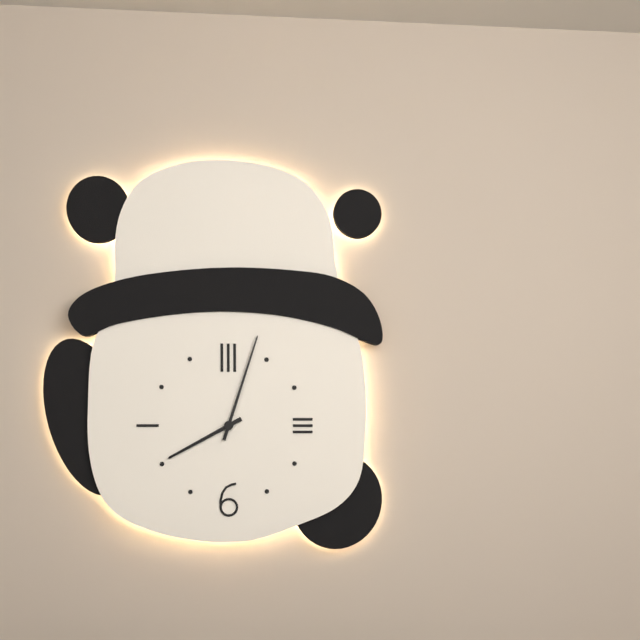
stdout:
8:03
